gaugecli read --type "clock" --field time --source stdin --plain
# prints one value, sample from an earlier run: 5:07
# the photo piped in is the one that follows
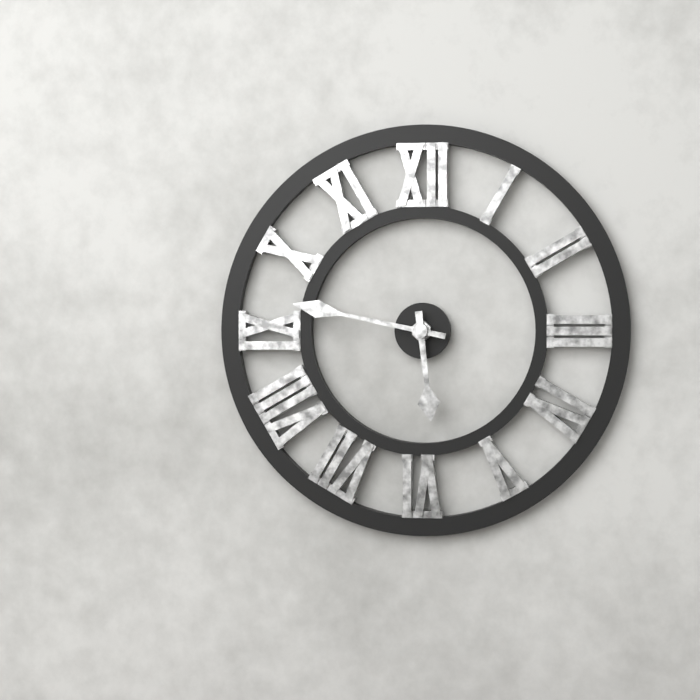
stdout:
5:47
